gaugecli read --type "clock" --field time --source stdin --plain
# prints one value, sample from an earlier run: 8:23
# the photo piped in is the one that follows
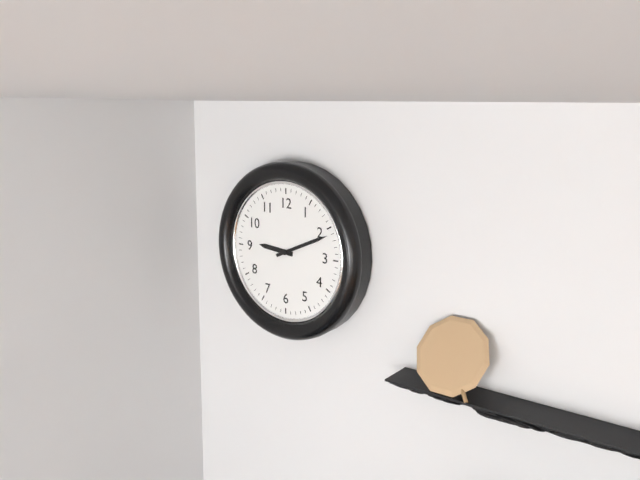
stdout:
9:11
